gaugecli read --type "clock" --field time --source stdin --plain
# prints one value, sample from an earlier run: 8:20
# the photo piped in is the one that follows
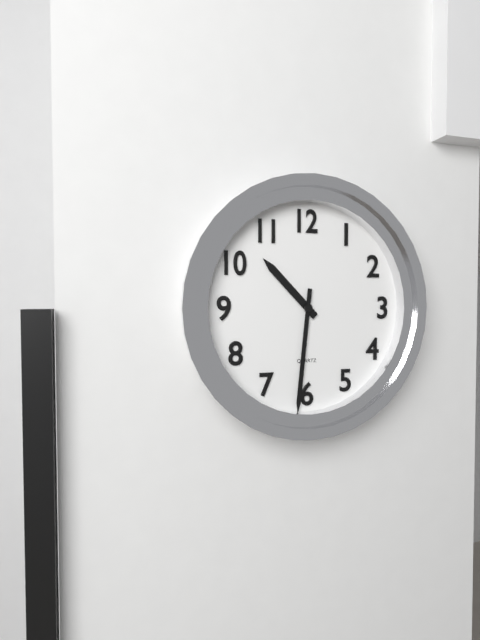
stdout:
10:31
